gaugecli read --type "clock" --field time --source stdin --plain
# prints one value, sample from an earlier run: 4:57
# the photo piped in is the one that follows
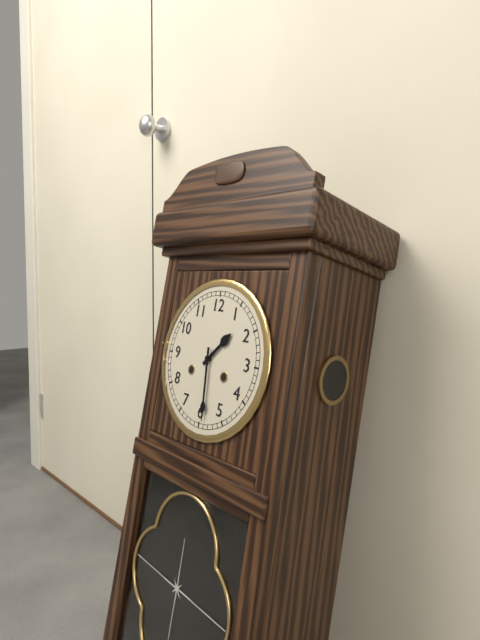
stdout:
1:29
